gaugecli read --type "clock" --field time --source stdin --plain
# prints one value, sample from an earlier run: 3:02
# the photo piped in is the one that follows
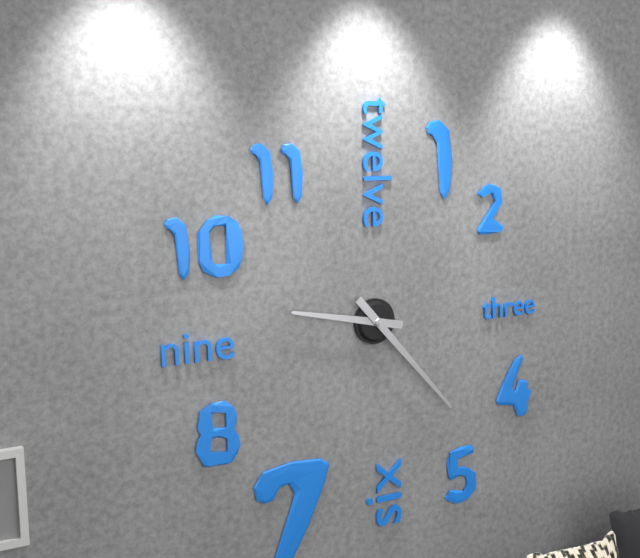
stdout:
9:23
